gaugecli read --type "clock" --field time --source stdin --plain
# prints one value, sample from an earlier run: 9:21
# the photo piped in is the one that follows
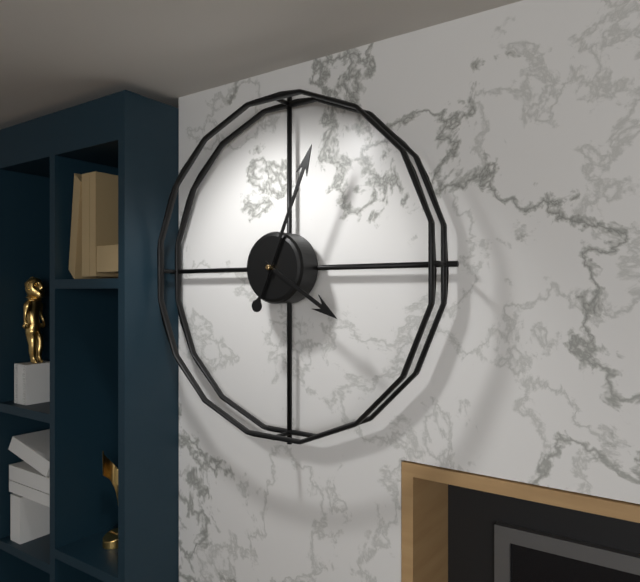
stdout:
4:04
